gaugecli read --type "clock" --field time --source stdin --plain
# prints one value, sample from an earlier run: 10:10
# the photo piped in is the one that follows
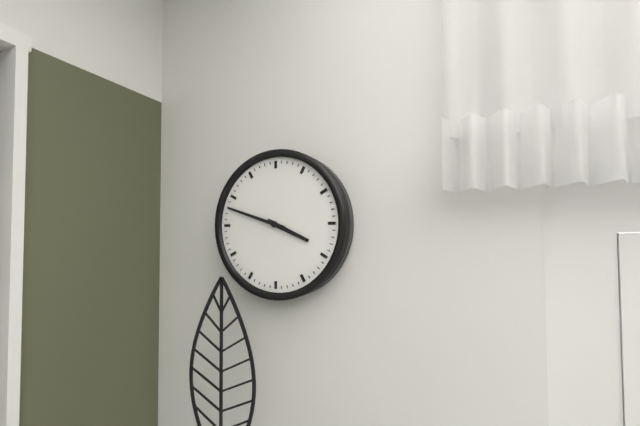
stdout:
3:48
